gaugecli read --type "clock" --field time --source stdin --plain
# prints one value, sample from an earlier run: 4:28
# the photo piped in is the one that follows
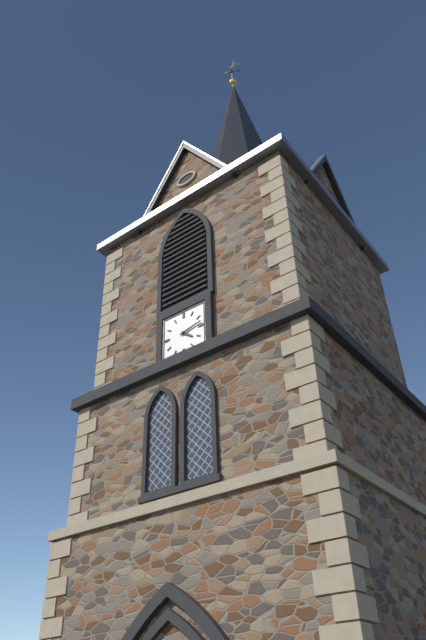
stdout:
4:13
